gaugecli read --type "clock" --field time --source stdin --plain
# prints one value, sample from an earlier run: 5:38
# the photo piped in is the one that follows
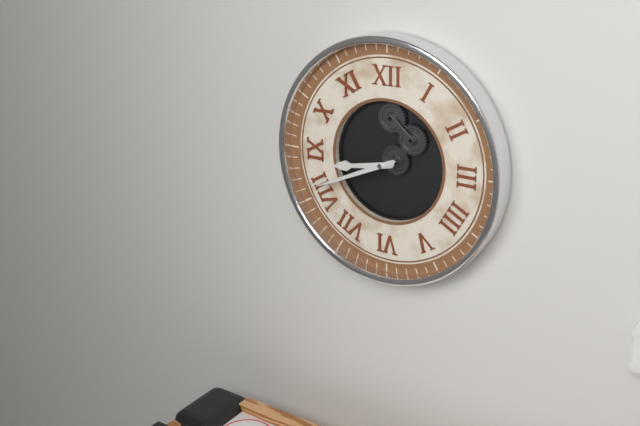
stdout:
8:41
